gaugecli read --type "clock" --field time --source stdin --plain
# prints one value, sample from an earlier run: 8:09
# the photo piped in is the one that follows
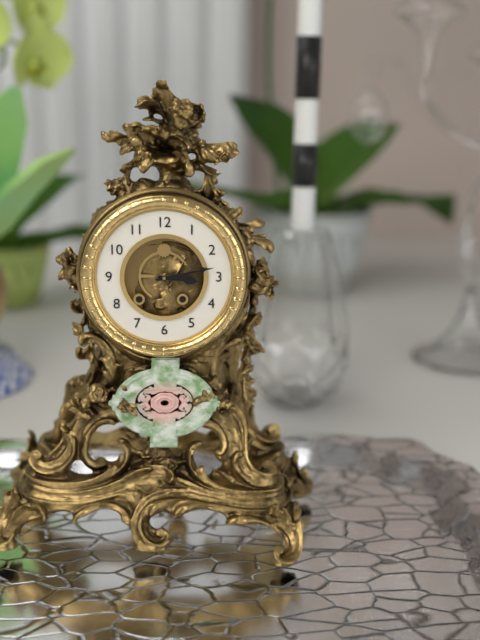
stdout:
3:13
